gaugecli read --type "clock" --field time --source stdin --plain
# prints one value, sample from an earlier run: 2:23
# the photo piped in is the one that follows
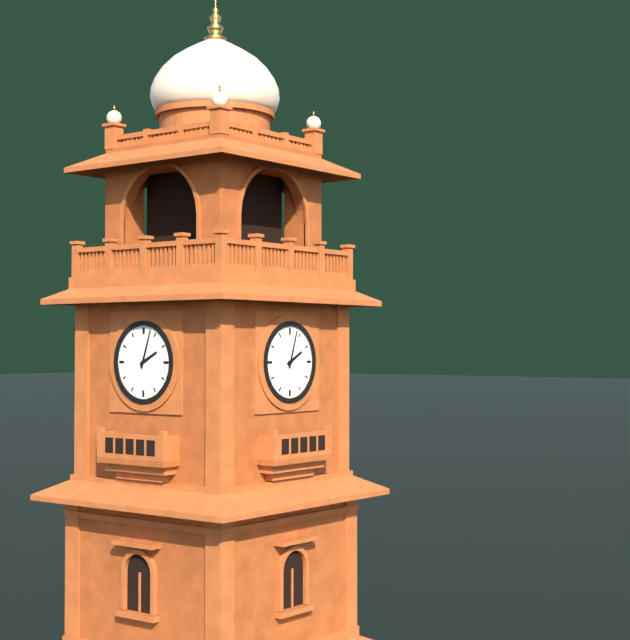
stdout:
2:03
